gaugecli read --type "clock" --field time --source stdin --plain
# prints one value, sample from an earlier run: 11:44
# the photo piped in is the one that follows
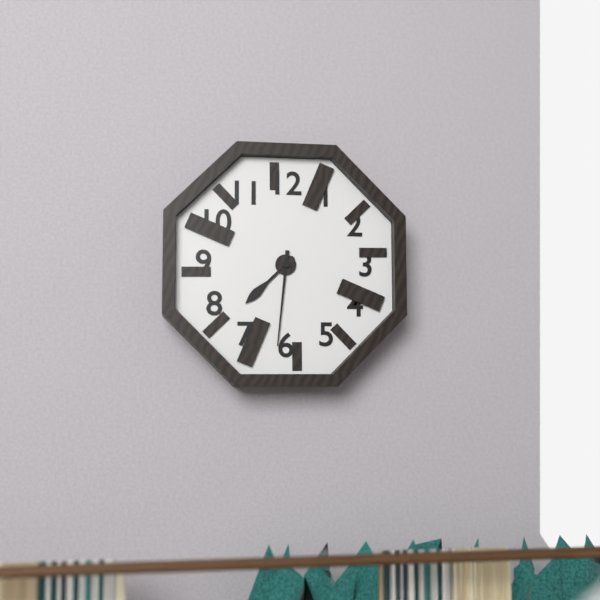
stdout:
7:31
